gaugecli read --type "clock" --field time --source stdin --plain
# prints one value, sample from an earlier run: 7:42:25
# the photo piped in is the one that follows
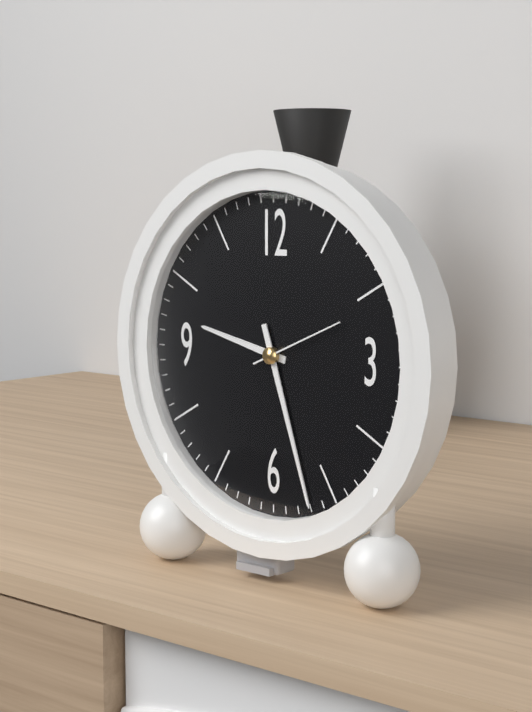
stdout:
9:27:11
